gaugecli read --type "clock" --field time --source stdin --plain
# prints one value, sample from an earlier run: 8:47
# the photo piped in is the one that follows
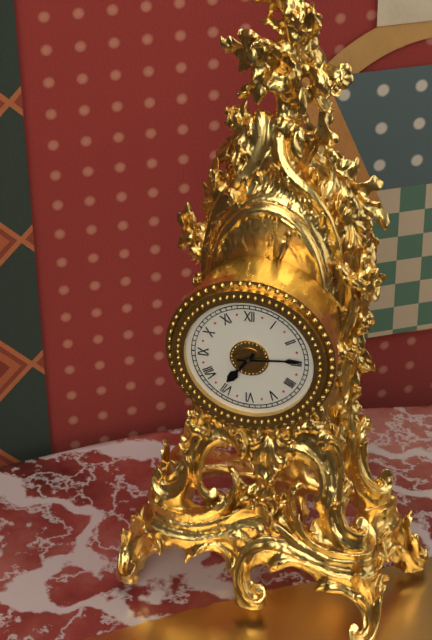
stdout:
7:14
